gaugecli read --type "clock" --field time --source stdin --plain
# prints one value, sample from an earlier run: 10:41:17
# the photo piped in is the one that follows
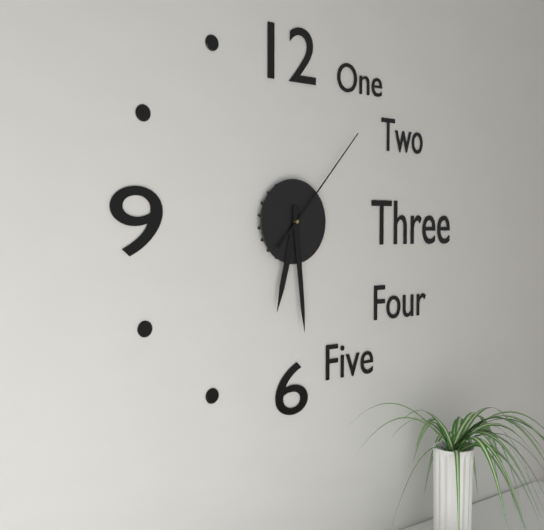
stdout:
6:29:07
